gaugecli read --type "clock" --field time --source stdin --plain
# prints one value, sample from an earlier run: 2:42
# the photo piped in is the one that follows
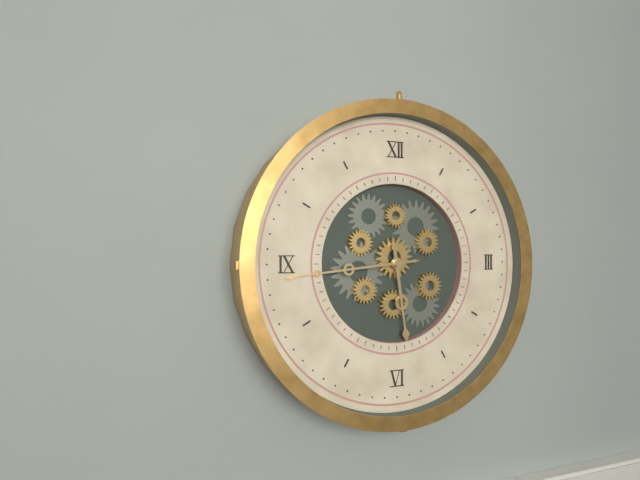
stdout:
5:44
